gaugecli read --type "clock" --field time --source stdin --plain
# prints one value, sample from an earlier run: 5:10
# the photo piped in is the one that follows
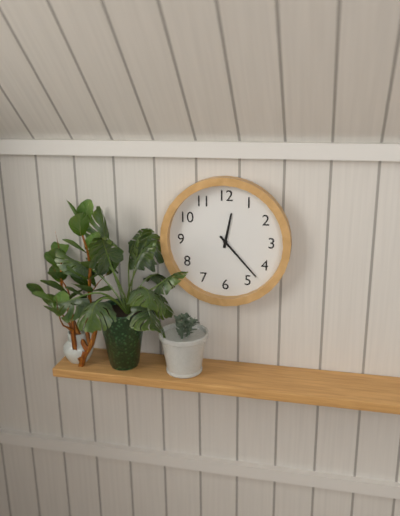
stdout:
12:23
